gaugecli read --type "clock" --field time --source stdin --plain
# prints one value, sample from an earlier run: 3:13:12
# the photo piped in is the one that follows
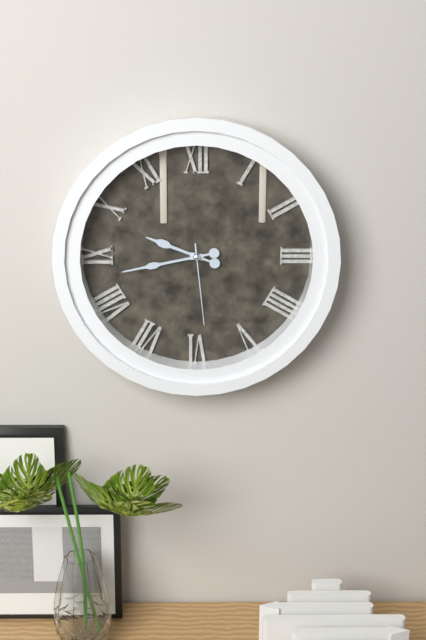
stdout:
9:43:29
